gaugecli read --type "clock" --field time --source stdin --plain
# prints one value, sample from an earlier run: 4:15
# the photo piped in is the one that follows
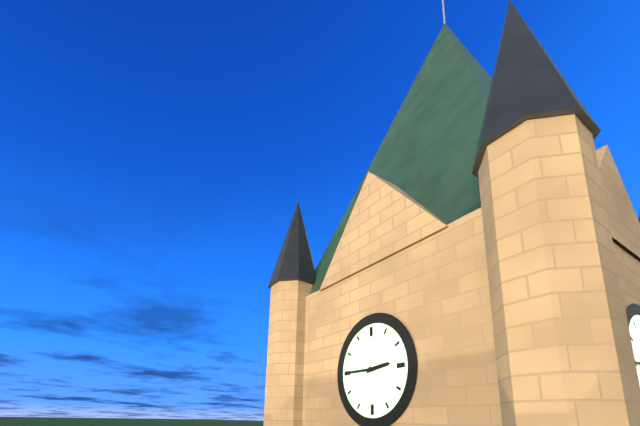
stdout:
2:45
